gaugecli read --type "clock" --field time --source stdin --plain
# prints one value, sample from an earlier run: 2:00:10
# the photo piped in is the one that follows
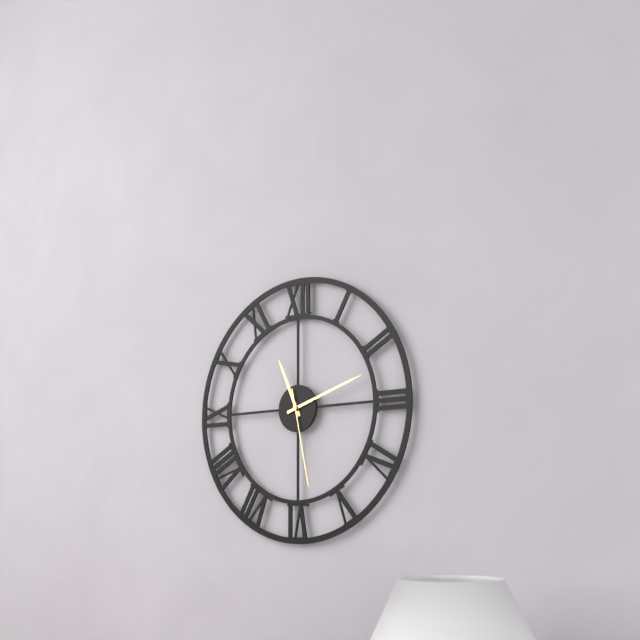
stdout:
11:12:28
